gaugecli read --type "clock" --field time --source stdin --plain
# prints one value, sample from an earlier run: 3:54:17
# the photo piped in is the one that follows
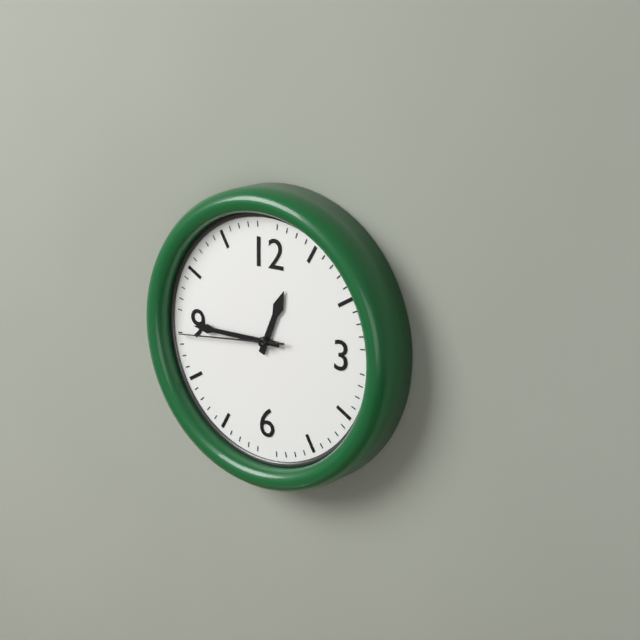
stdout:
12:45:44
